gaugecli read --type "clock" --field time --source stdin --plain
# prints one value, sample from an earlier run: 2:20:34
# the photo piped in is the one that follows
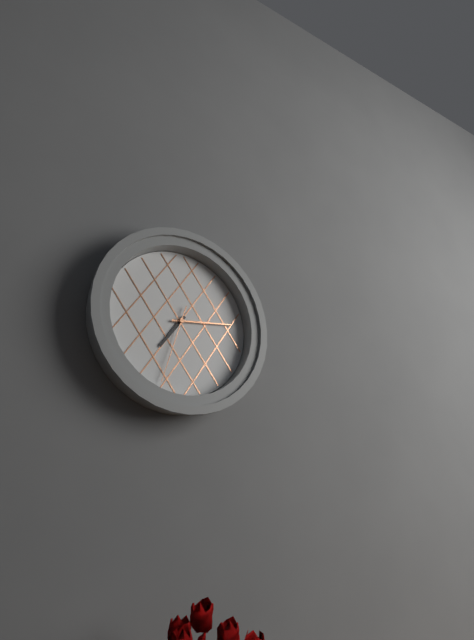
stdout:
7:14:33
